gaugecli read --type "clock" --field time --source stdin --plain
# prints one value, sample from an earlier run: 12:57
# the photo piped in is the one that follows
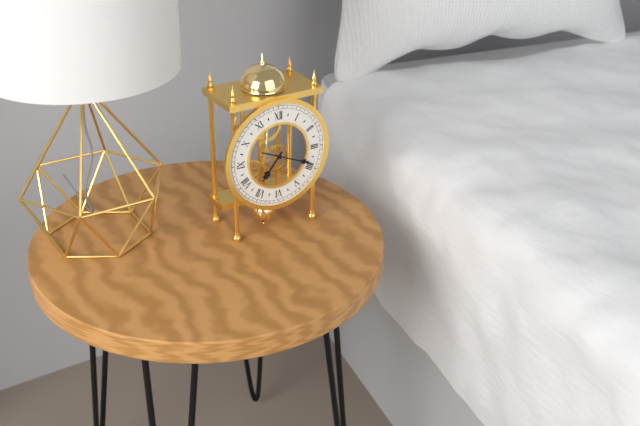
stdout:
7:19
